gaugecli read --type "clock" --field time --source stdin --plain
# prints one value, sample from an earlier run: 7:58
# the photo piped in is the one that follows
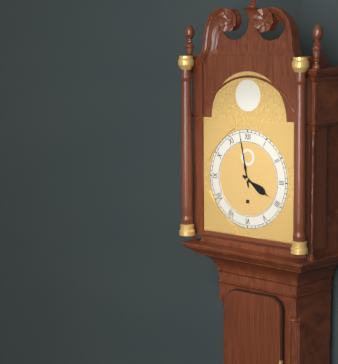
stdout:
3:58
